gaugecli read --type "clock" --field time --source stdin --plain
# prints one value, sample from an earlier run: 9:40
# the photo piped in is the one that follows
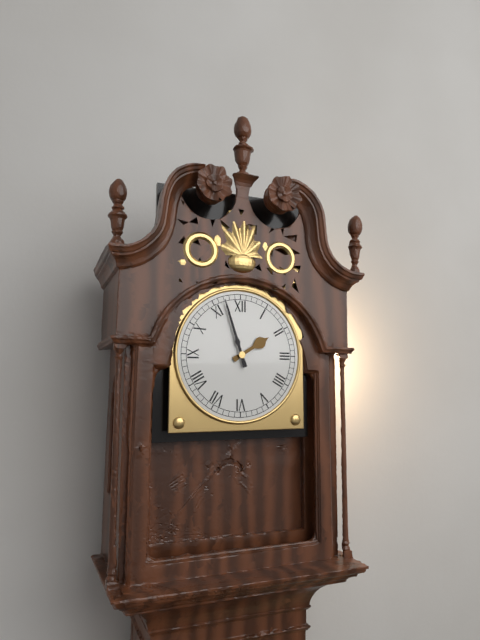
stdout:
1:57
